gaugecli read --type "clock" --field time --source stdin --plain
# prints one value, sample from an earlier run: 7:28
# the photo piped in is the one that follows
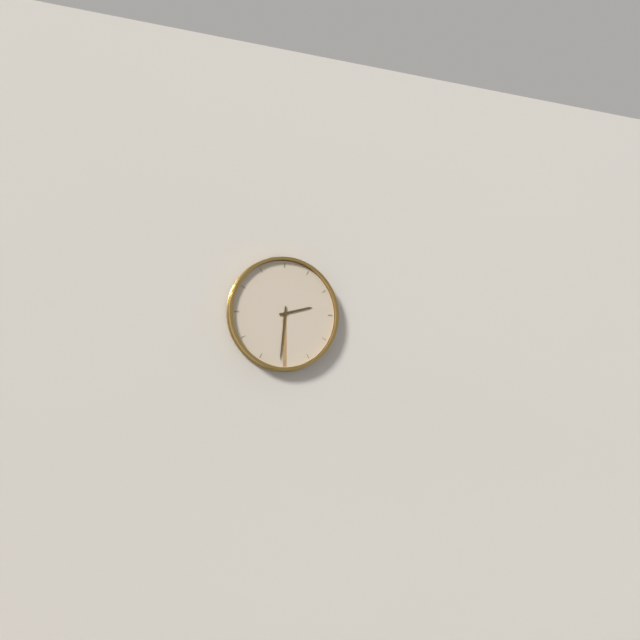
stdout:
2:31
